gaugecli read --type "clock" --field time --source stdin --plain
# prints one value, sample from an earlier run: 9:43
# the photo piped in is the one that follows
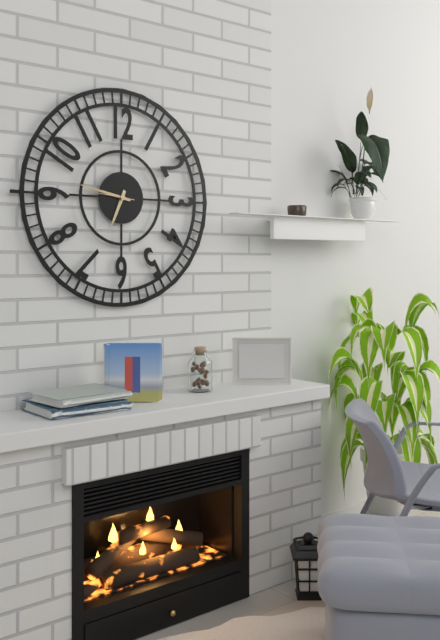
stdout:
6:47
